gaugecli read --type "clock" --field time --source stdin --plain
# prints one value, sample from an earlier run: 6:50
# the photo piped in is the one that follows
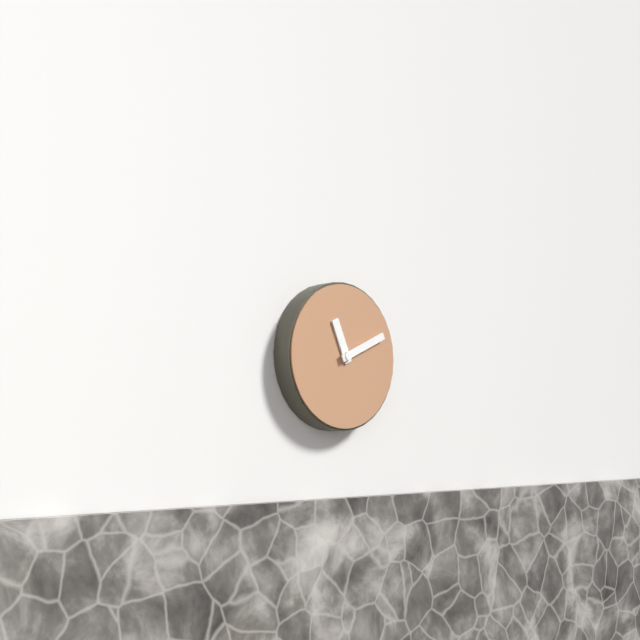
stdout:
11:11
